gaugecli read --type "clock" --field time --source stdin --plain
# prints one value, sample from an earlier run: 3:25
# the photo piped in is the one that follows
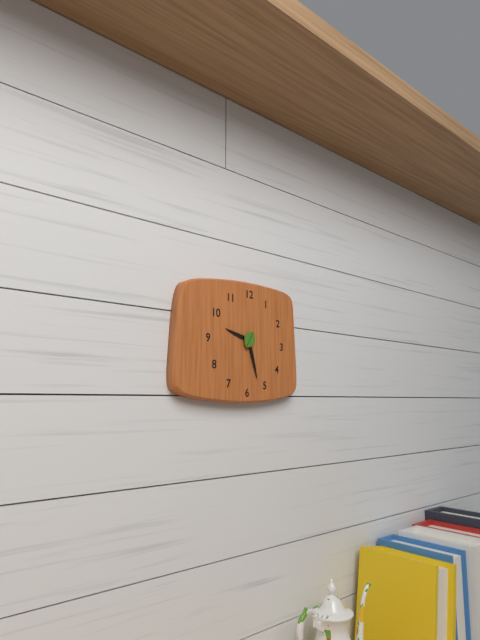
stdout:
9:27
